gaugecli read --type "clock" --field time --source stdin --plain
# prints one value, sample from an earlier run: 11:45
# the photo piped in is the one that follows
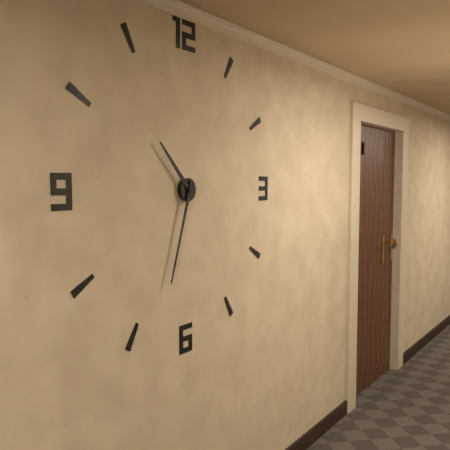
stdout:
10:33
